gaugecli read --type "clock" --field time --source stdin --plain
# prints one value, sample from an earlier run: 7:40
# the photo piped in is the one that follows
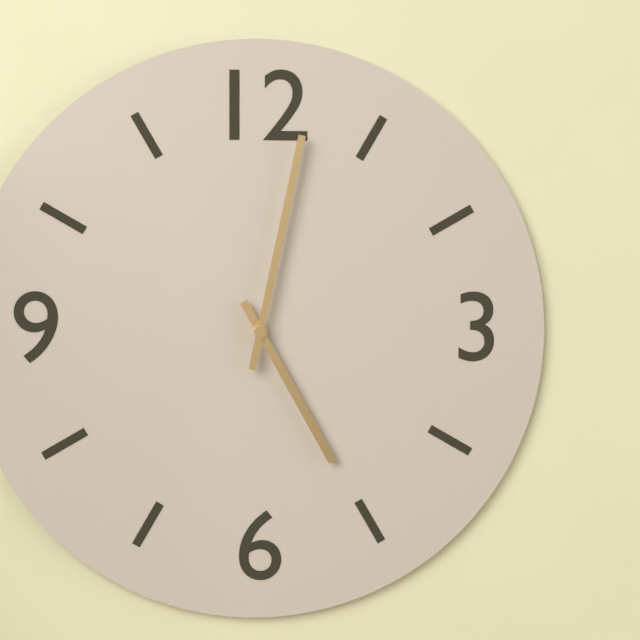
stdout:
5:02
